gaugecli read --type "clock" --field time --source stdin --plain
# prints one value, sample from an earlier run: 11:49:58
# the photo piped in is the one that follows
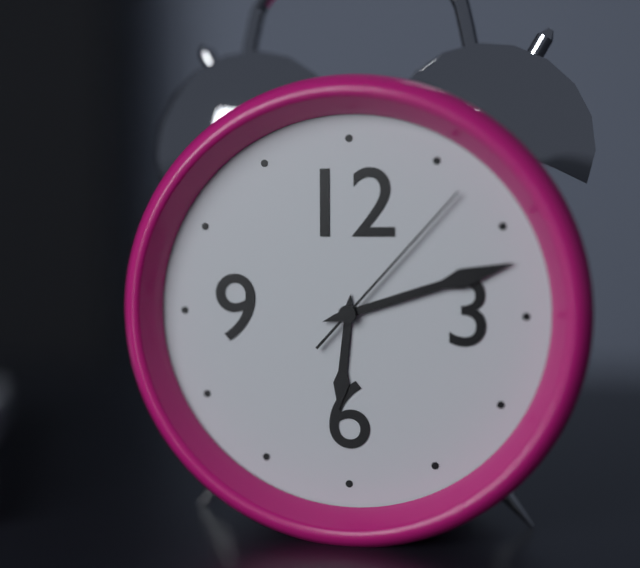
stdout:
6:12:07
